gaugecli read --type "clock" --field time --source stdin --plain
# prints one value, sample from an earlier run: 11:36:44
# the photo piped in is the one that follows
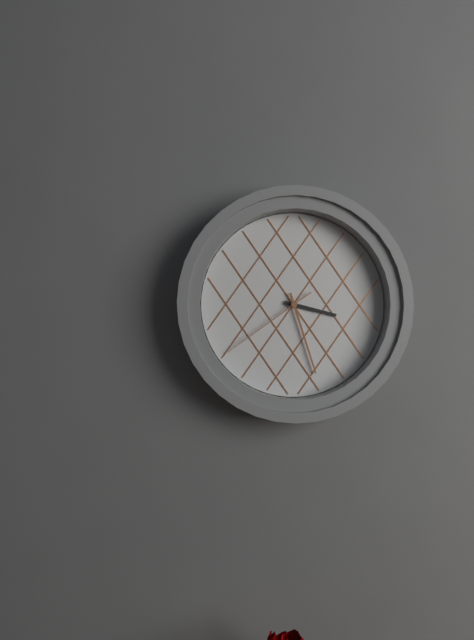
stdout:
3:27:39
